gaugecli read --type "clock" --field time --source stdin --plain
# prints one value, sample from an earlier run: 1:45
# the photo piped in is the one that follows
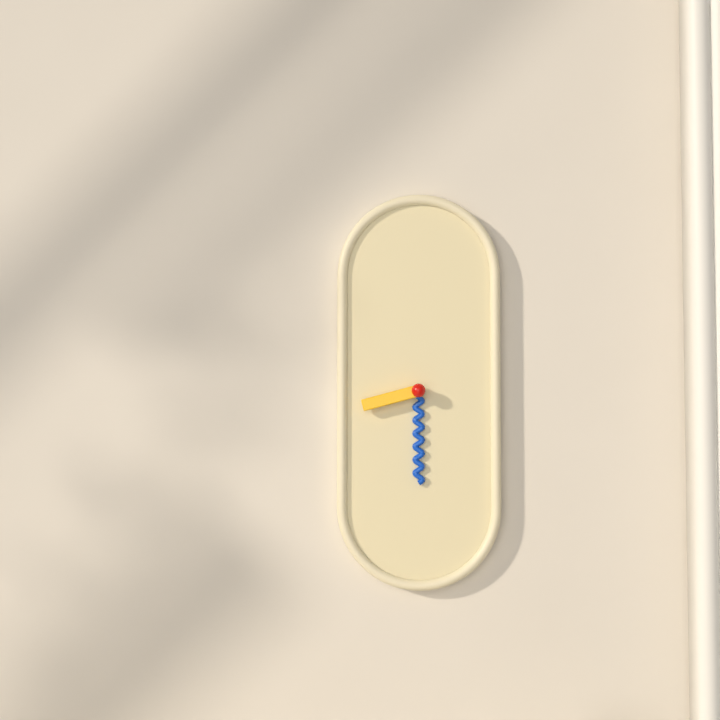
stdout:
8:30
